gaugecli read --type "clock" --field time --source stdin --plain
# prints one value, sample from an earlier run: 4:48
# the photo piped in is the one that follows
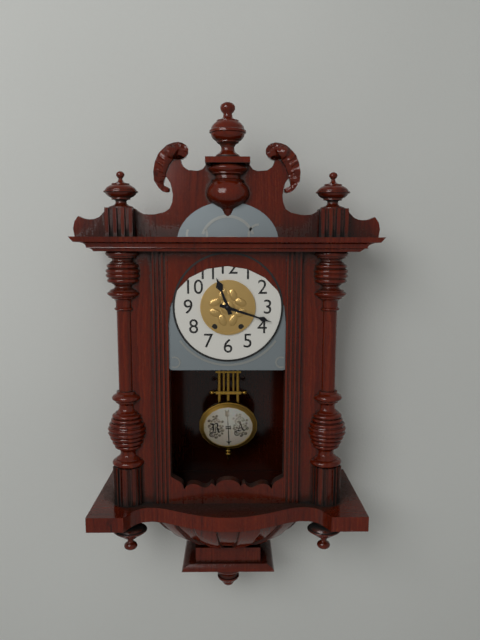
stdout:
11:18
